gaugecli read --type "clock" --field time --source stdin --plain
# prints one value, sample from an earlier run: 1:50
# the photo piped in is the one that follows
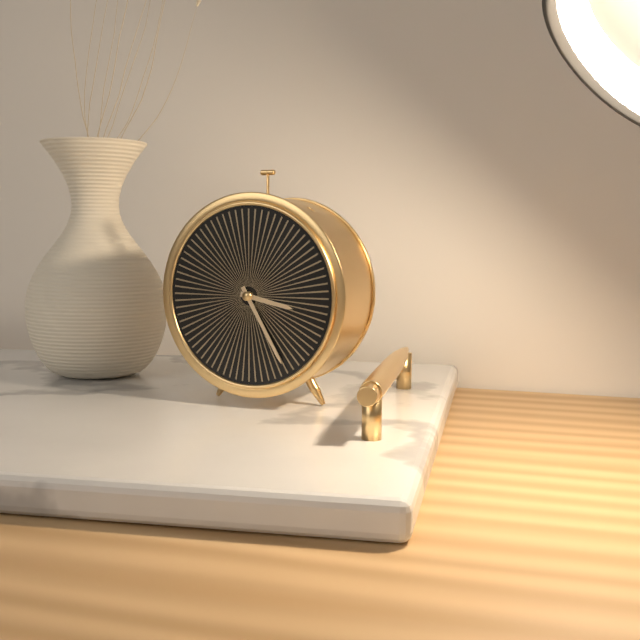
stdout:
3:25
